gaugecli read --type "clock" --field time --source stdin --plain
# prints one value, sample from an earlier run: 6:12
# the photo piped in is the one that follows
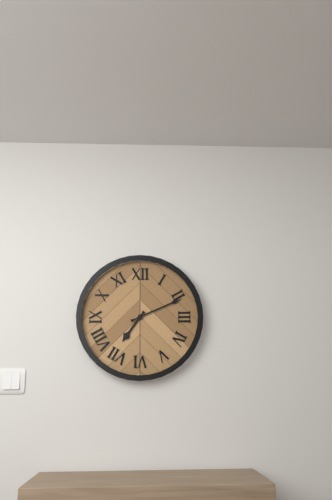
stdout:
7:11
